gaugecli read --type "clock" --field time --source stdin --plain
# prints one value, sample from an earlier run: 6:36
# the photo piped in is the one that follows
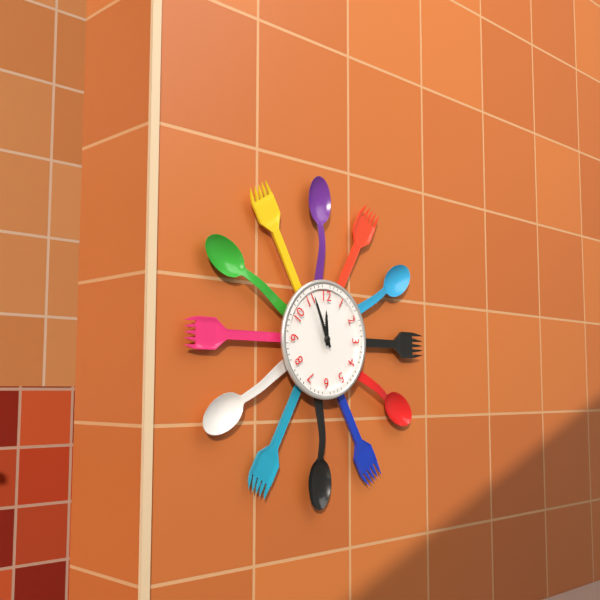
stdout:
11:56
